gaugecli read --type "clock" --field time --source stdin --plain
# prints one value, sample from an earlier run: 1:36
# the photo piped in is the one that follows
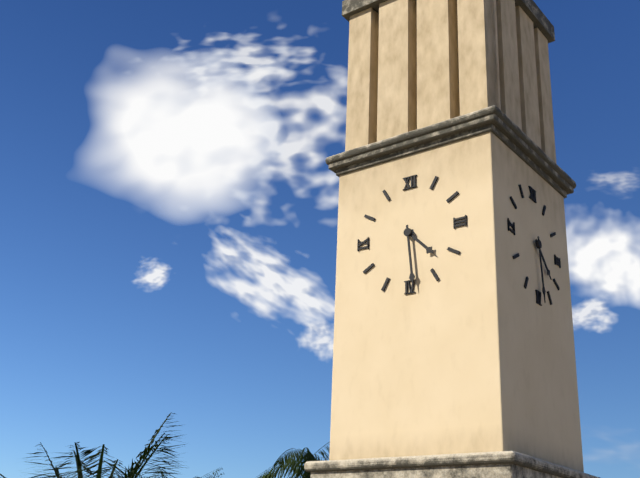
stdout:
4:29
